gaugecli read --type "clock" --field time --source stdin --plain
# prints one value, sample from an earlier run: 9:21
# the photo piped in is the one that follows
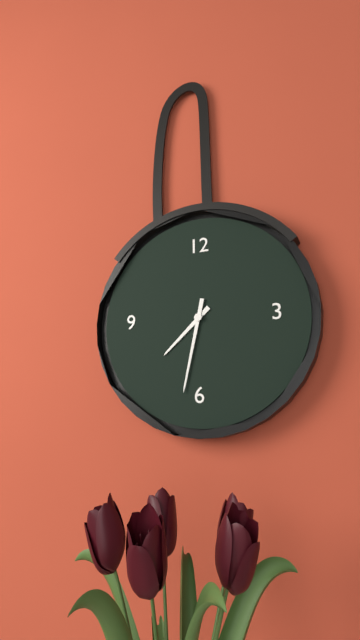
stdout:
7:32
